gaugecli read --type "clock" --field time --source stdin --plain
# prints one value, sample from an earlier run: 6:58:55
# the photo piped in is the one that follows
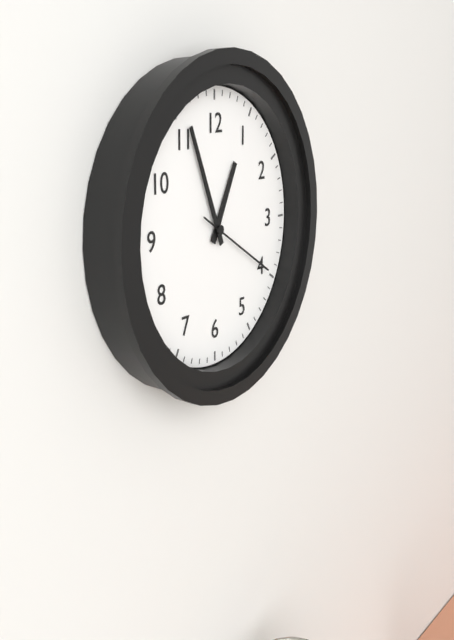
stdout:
12:56:20
